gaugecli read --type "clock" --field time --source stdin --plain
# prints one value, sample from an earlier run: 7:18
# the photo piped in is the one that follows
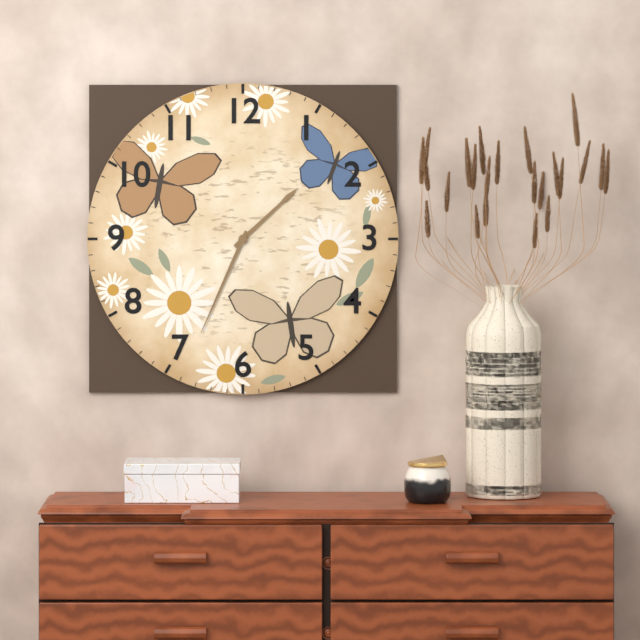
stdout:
1:34
